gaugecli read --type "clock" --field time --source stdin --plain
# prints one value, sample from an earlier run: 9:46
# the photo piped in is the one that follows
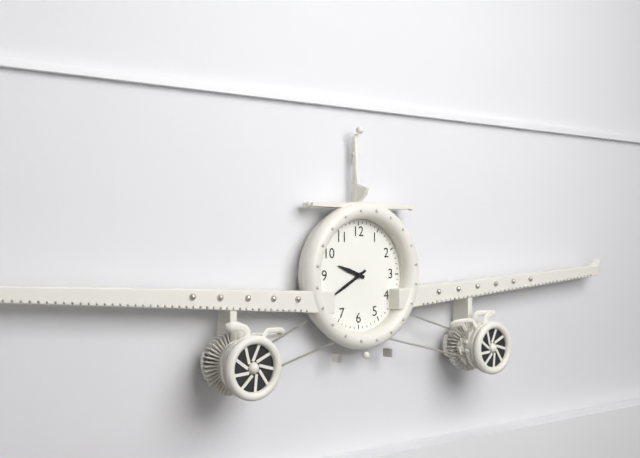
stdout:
9:40
